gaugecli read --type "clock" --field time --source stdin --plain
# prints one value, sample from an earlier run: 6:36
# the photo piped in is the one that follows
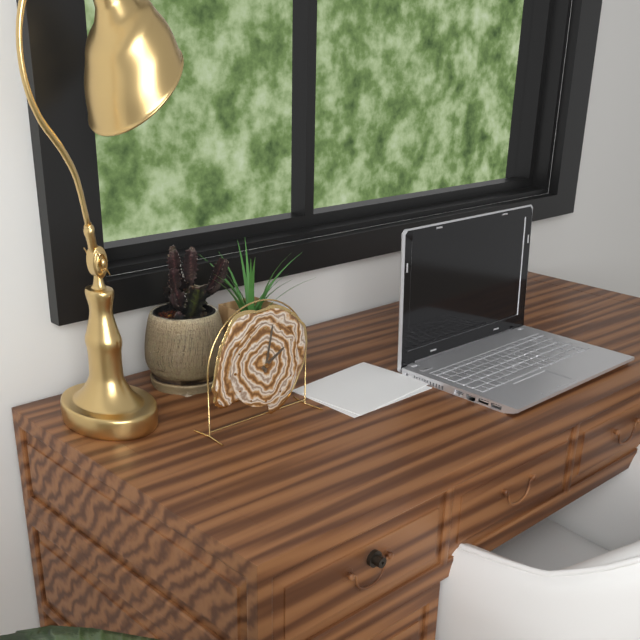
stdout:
2:02
